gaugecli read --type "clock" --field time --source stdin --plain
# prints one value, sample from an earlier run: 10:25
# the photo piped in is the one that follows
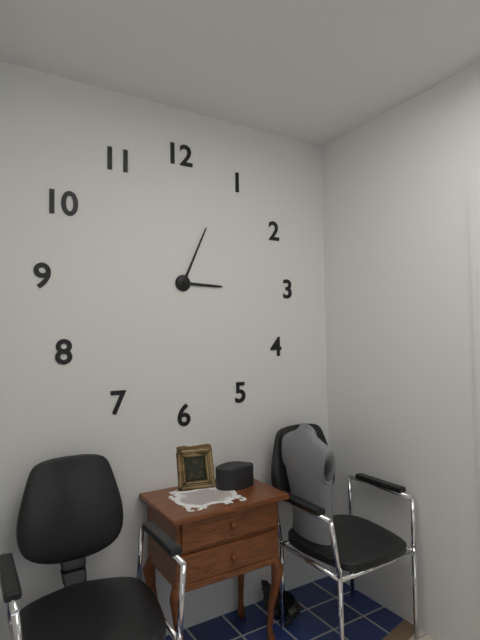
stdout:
3:04
